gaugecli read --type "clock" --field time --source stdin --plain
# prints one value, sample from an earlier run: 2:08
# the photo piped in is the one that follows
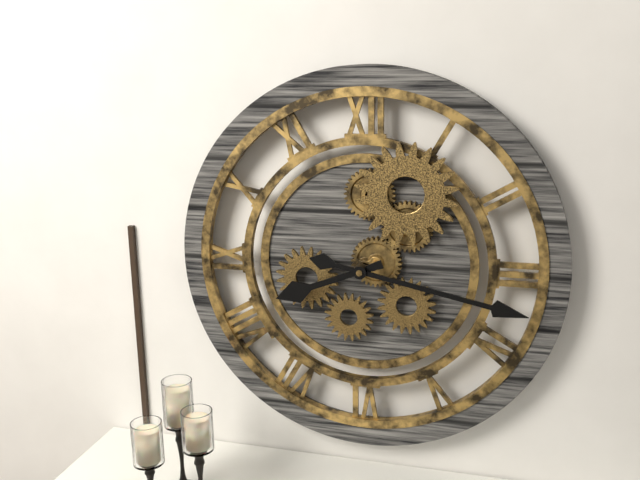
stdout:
8:17
